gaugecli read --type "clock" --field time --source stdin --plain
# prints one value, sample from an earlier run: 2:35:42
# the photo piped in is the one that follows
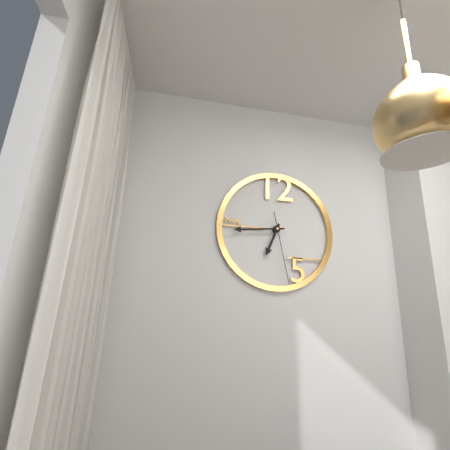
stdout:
6:44:28
